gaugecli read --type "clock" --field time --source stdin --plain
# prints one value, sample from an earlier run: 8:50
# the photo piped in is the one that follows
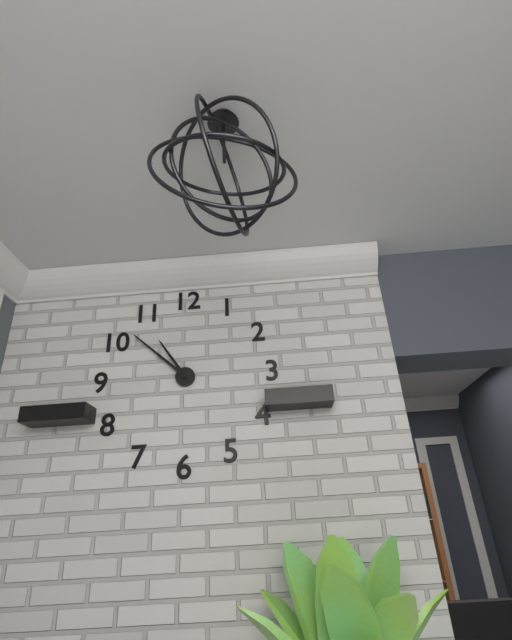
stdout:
10:52
